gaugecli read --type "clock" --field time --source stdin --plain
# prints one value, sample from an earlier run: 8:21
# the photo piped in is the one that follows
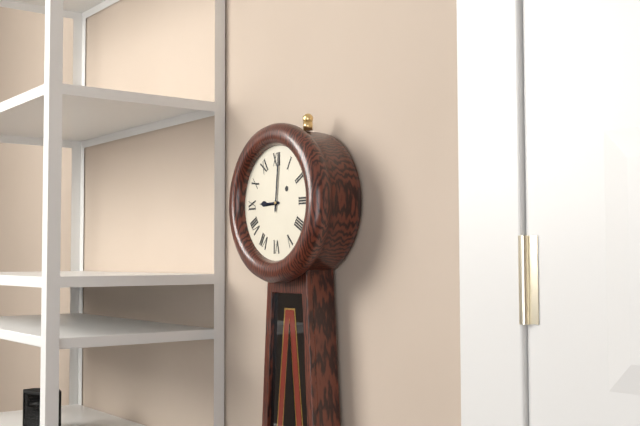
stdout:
9:01
